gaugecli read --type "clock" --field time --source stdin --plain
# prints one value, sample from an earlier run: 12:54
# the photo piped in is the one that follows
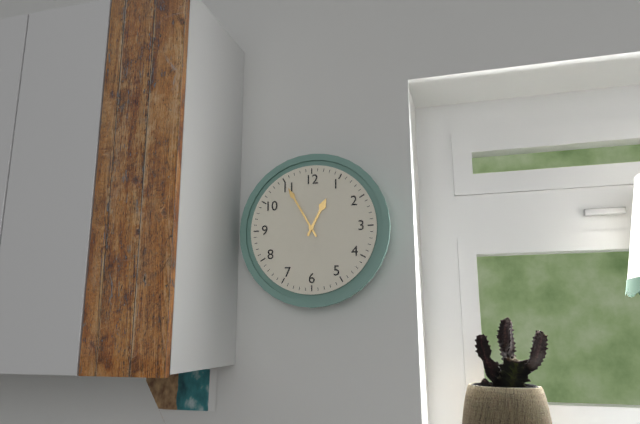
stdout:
12:55
